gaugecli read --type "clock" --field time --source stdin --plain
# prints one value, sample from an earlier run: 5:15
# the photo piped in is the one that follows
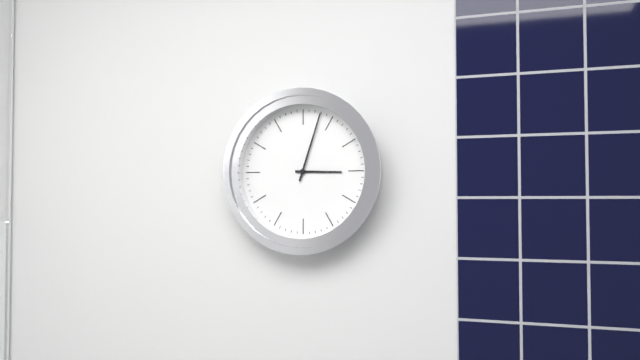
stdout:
3:03
